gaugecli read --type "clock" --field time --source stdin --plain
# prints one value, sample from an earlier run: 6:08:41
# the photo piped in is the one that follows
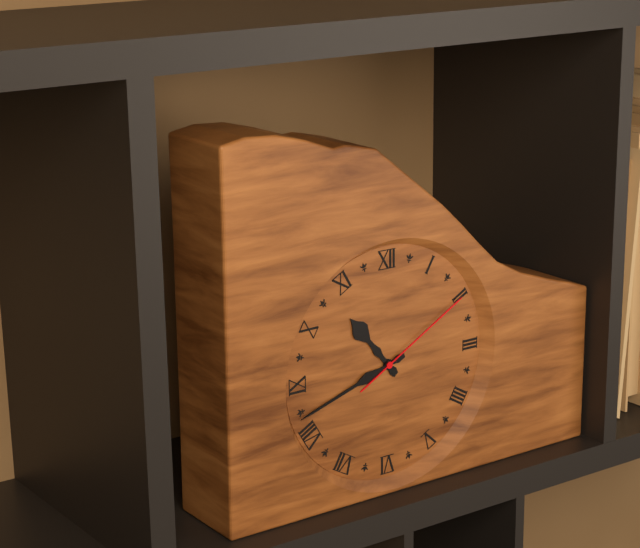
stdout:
10:42:10
